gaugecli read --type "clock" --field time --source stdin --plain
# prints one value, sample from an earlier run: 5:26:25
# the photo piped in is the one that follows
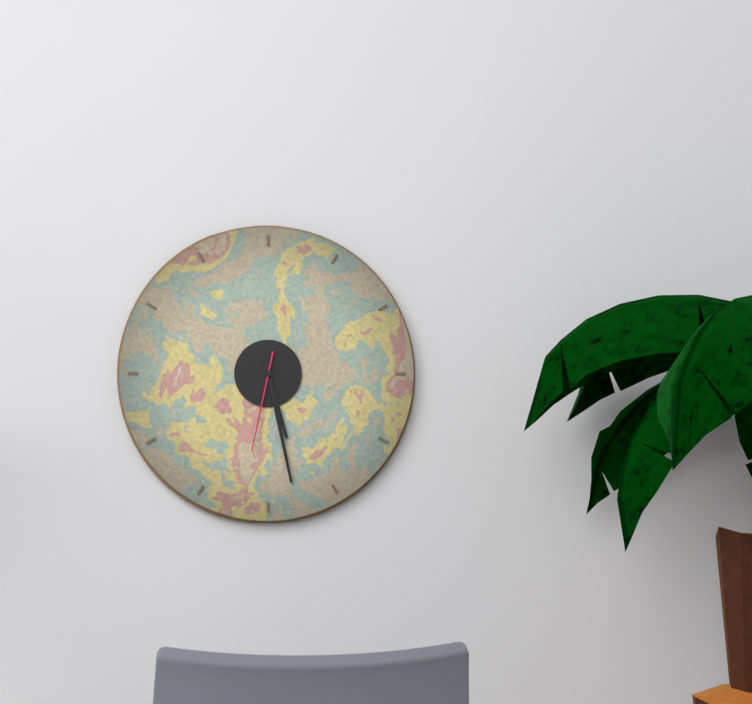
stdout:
5:28:32
